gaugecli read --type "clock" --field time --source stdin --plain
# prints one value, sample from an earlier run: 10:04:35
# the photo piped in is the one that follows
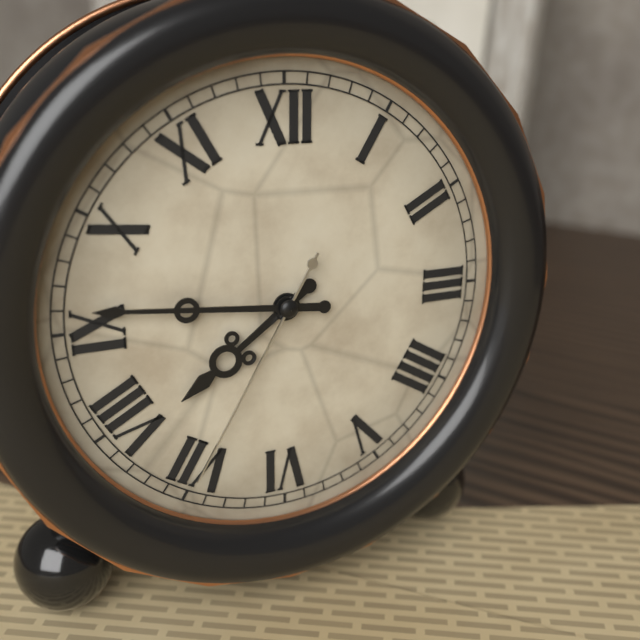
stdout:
7:46:35
